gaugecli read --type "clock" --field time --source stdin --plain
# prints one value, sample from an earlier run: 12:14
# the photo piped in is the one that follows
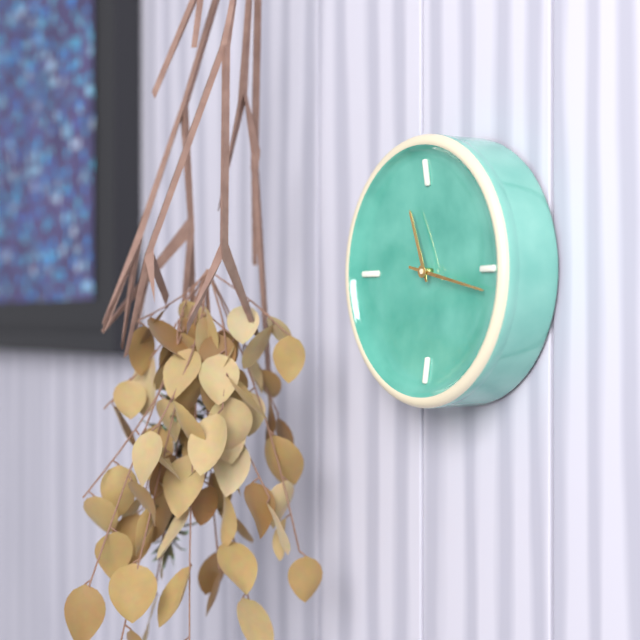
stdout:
11:17
